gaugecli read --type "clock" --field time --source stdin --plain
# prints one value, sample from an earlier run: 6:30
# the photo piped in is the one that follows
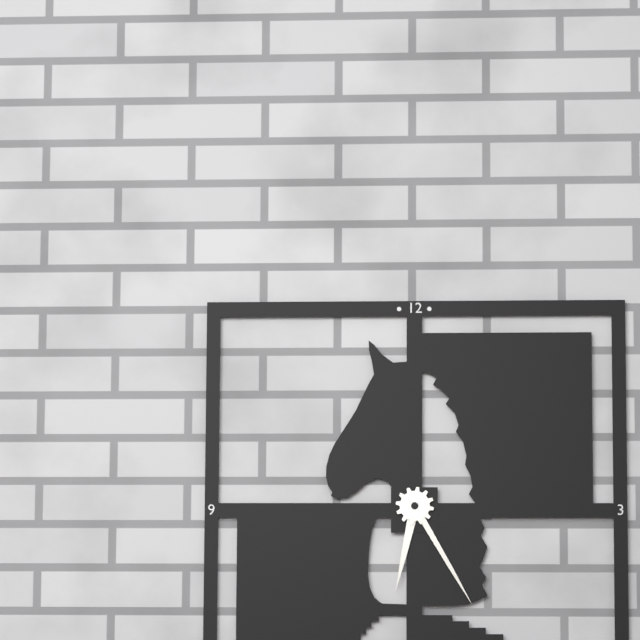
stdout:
6:25
